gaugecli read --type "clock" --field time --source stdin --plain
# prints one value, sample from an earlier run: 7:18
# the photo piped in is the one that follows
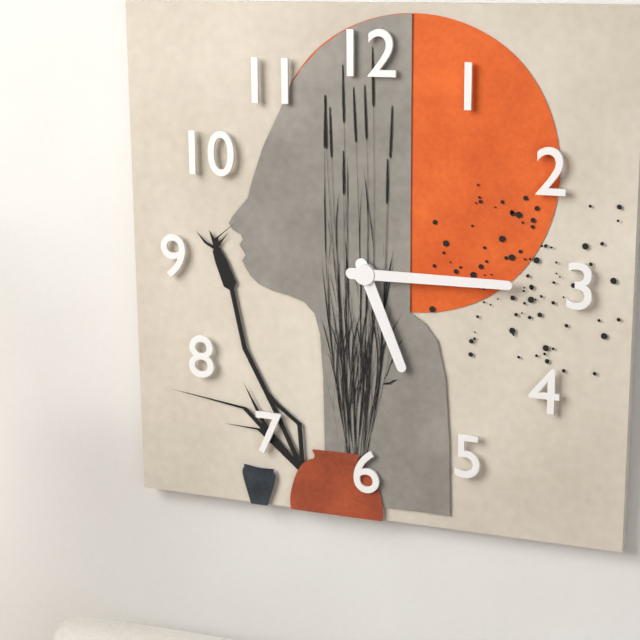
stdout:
5:15
